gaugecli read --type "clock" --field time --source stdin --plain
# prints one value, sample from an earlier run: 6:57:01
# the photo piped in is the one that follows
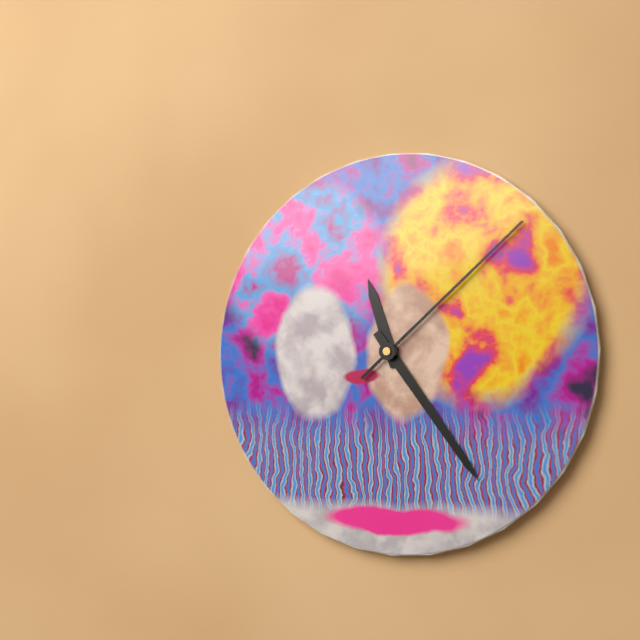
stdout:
11:24:08
